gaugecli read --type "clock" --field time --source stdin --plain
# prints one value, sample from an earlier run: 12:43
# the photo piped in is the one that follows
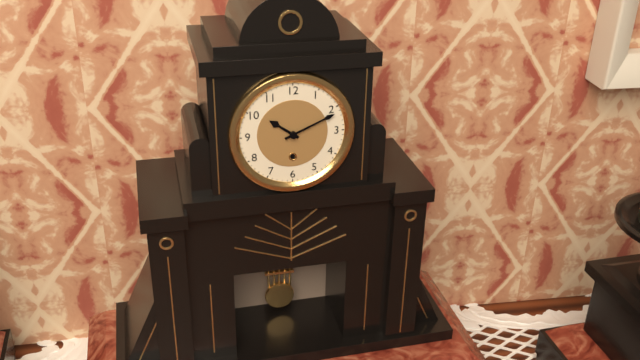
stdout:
10:11
